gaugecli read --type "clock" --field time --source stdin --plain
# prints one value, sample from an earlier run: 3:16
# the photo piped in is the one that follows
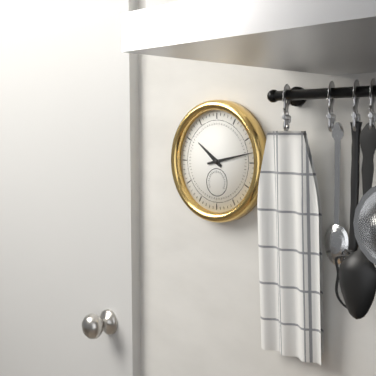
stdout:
10:13
